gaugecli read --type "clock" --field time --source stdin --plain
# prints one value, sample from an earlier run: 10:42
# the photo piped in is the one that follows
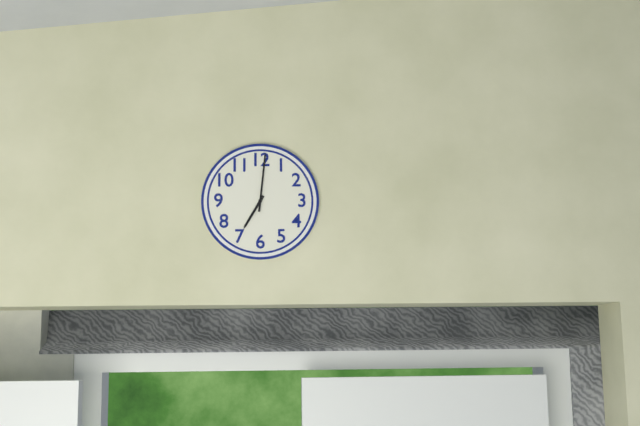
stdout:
7:01
